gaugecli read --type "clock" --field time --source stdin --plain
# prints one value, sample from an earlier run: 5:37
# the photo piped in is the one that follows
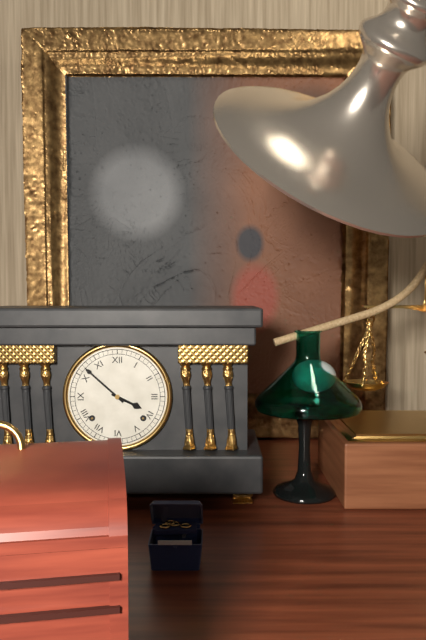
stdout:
3:52
